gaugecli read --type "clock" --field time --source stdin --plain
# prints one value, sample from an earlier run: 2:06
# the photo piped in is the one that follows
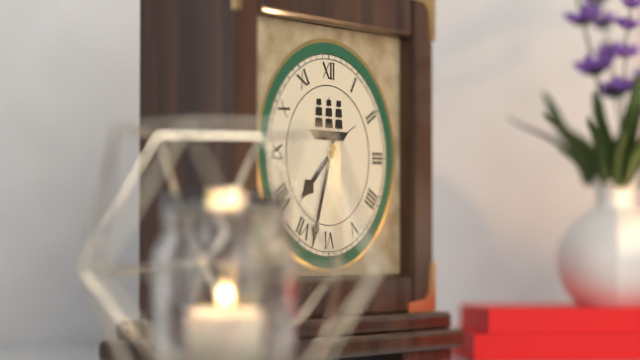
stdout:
7:33
